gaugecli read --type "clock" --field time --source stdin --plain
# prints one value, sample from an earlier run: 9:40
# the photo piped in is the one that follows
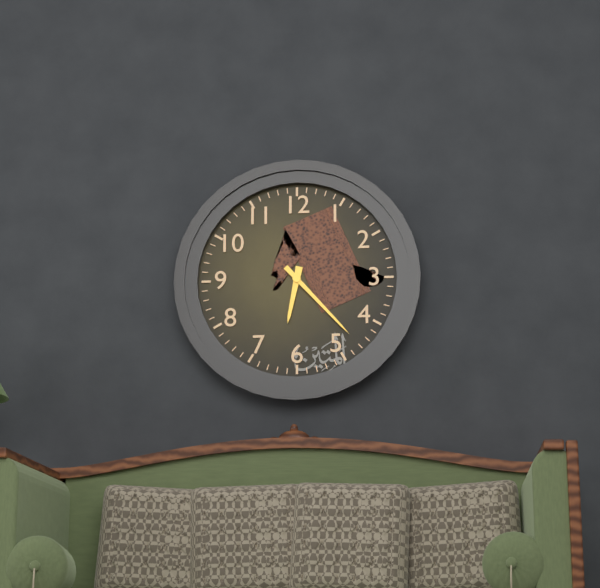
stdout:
6:23
